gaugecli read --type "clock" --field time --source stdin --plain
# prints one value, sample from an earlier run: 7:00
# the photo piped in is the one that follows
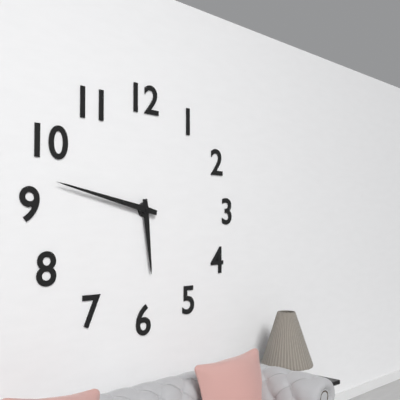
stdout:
5:47
